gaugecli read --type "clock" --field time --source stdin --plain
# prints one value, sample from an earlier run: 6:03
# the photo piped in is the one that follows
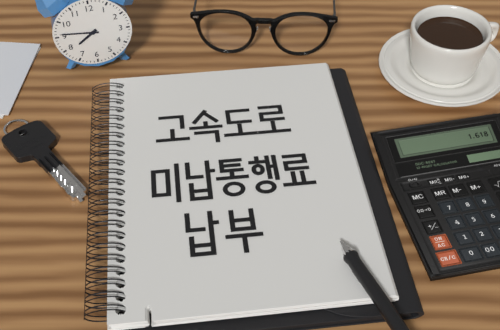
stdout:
7:46
